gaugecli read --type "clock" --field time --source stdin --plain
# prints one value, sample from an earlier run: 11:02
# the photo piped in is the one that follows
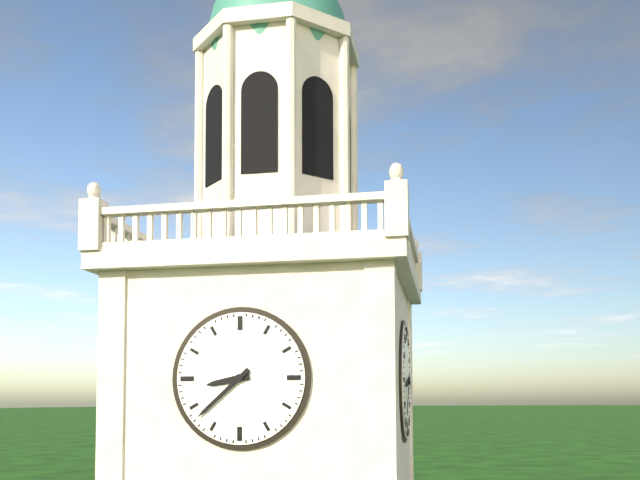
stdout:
8:38
